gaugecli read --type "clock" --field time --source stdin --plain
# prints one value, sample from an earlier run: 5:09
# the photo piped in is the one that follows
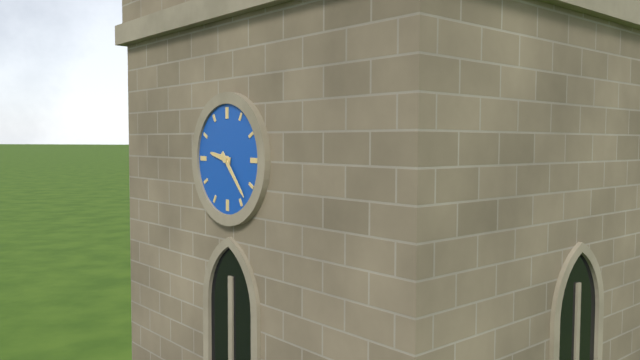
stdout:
9:23
